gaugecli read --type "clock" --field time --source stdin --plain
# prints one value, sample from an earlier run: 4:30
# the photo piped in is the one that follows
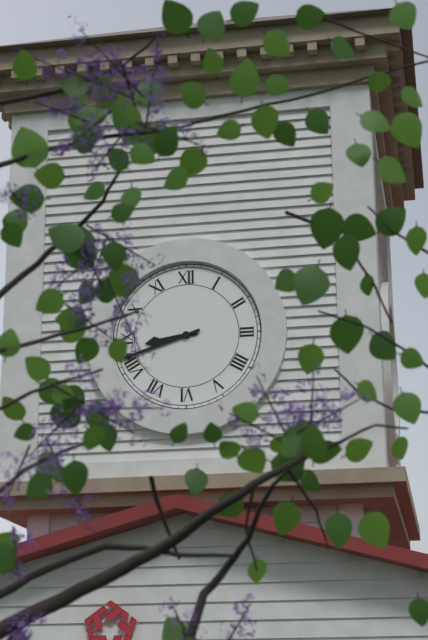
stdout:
8:42
